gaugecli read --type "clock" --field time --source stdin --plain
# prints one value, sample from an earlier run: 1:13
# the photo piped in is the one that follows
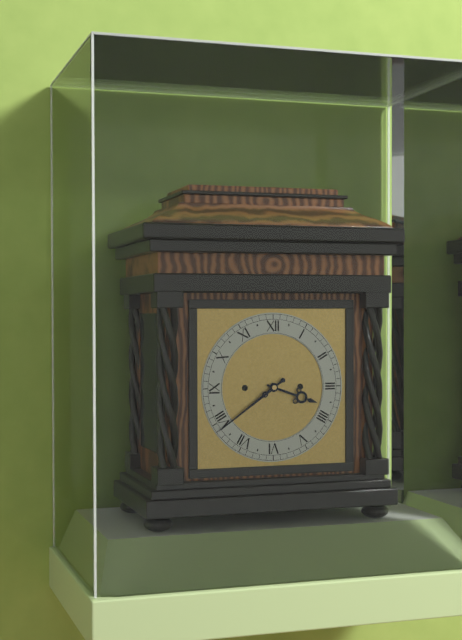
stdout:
3:39
